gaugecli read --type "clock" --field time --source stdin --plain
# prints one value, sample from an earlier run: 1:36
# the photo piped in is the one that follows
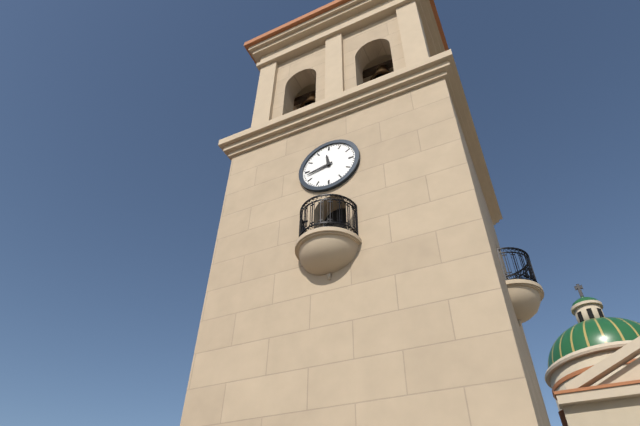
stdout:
11:43
